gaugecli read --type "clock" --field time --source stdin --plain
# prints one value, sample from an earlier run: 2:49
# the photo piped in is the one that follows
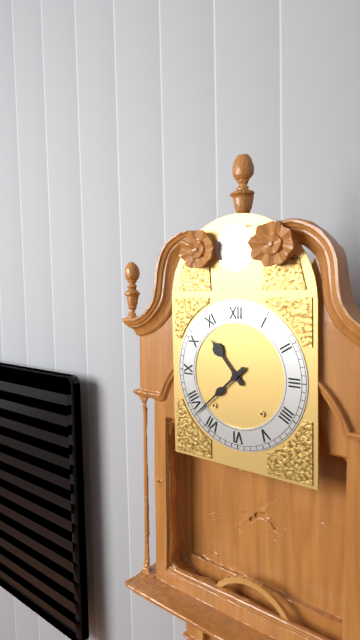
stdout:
10:38
